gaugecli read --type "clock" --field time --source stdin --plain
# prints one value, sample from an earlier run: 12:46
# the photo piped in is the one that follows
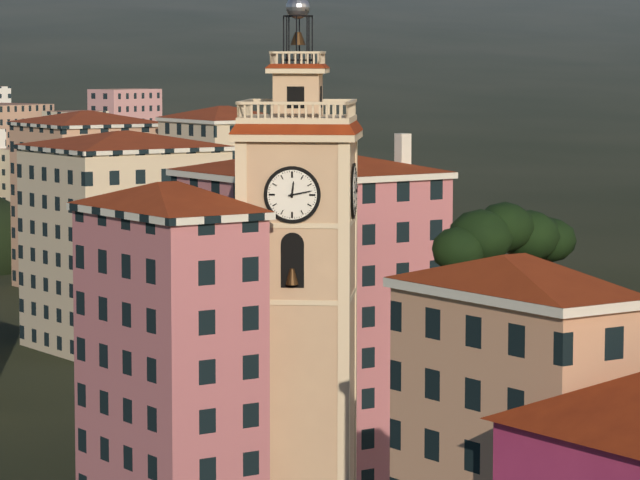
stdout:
12:13
